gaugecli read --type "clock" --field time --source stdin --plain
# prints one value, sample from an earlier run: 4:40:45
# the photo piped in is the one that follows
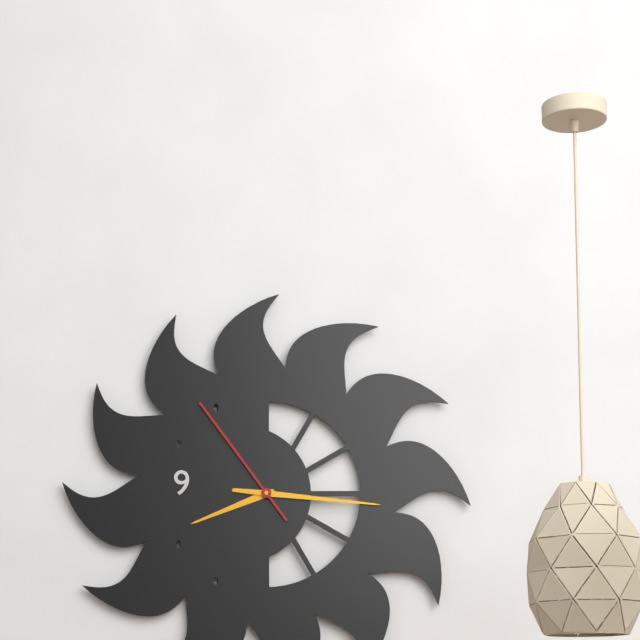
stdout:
8:16:54
